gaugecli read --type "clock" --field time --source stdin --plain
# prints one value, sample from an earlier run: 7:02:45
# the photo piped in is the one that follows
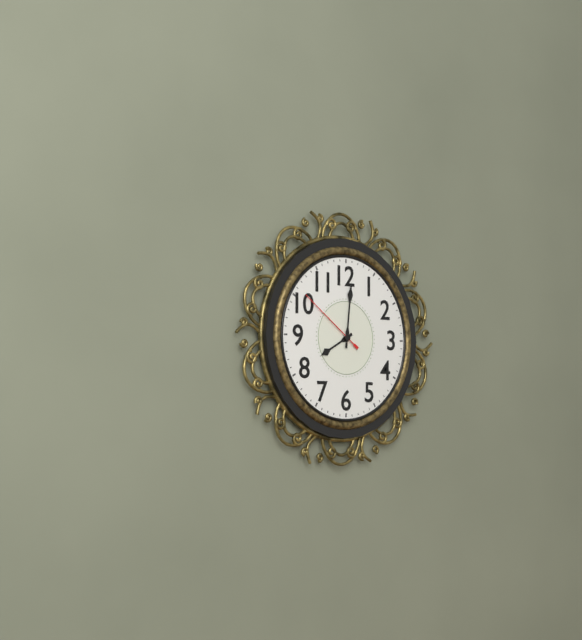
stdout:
8:01:51
